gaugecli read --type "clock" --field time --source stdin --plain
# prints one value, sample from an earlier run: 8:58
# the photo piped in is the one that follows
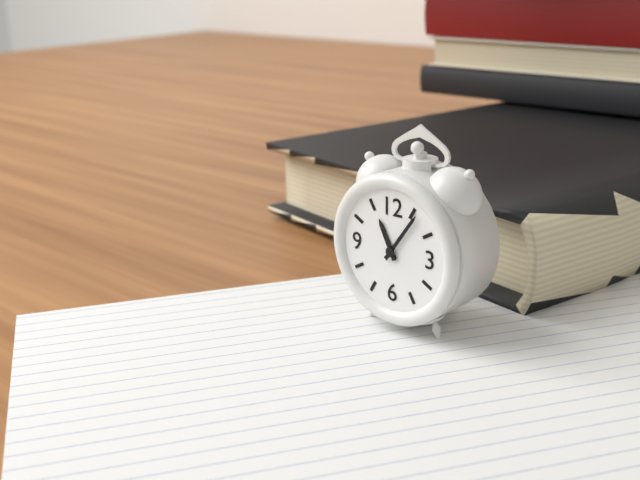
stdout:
11:06
